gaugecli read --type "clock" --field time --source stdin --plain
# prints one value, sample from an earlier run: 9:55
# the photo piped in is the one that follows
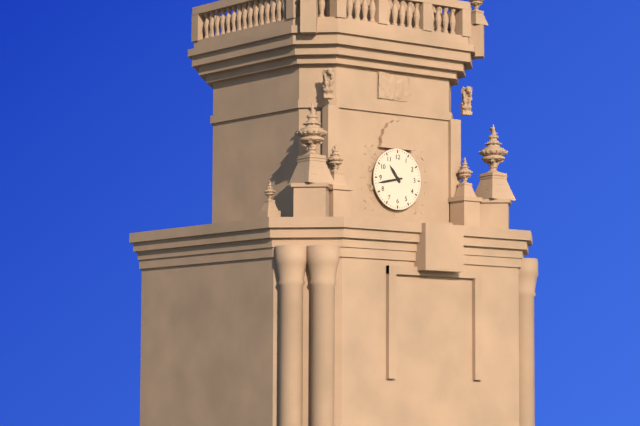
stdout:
10:43
